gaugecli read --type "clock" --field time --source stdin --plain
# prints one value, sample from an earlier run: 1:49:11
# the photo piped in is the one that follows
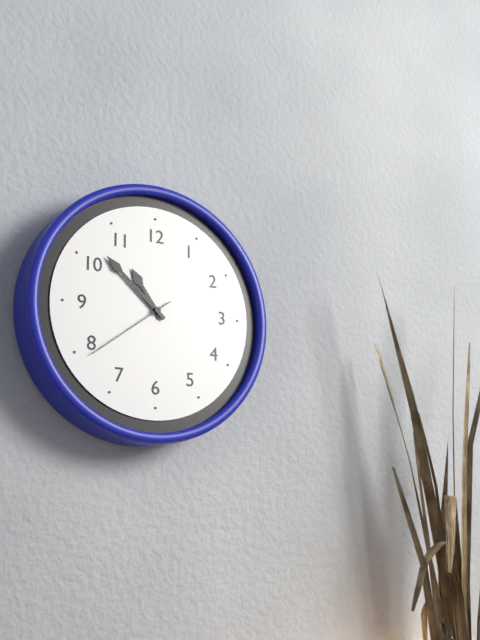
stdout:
10:52:39
